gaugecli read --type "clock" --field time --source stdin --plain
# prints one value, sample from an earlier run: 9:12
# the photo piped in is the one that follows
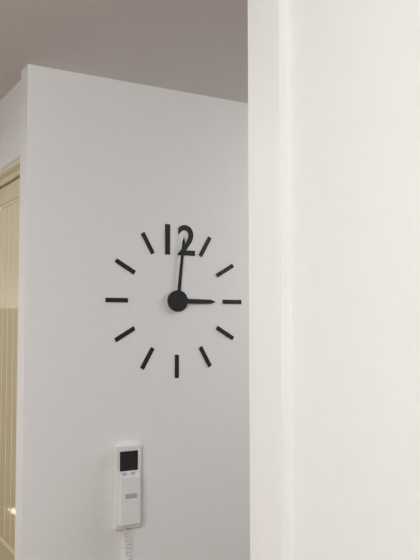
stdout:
3:01
